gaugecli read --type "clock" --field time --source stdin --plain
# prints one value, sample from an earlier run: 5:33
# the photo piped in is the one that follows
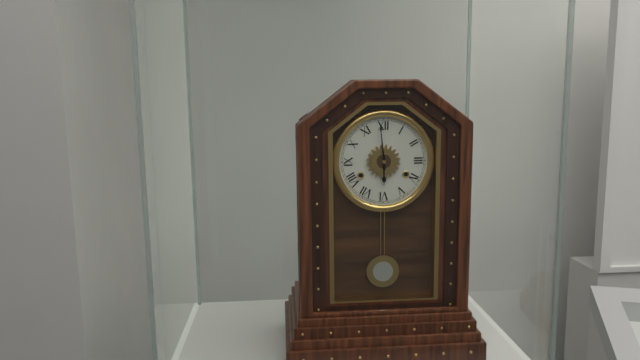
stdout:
5:59
